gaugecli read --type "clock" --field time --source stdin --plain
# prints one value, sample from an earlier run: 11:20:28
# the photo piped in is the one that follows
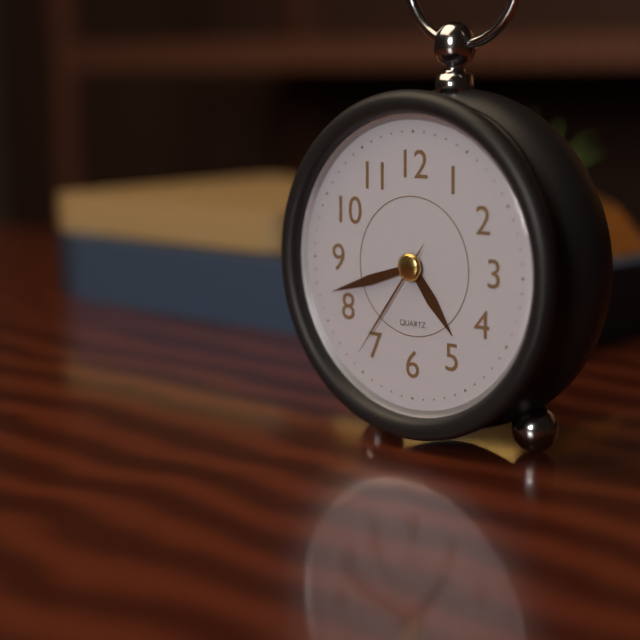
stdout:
4:42:36
